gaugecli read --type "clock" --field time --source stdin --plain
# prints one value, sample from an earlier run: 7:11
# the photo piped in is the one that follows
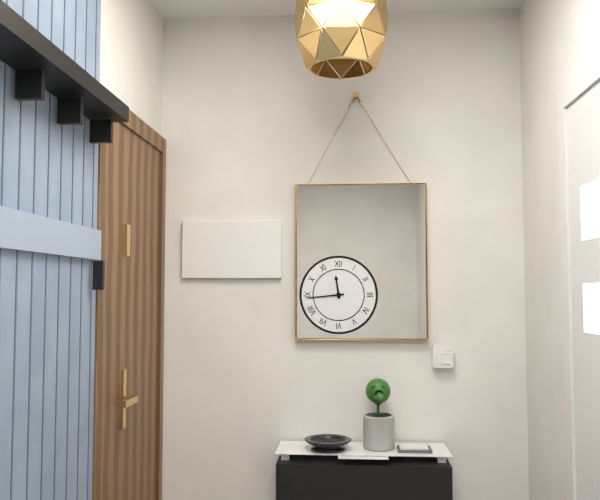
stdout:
11:44
